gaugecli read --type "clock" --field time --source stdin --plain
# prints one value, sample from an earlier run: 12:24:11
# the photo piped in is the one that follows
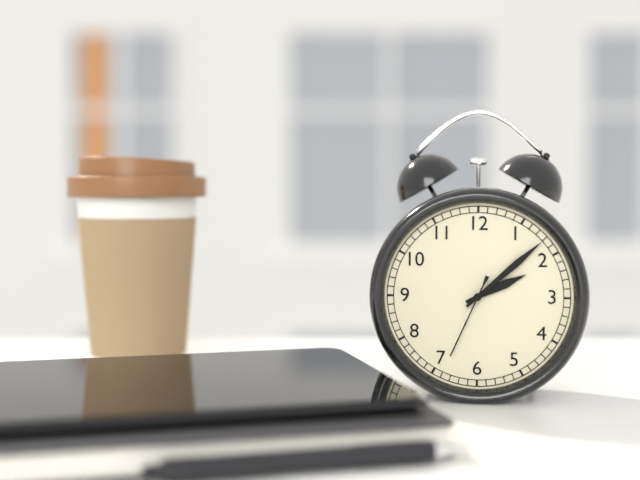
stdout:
2:08:34
